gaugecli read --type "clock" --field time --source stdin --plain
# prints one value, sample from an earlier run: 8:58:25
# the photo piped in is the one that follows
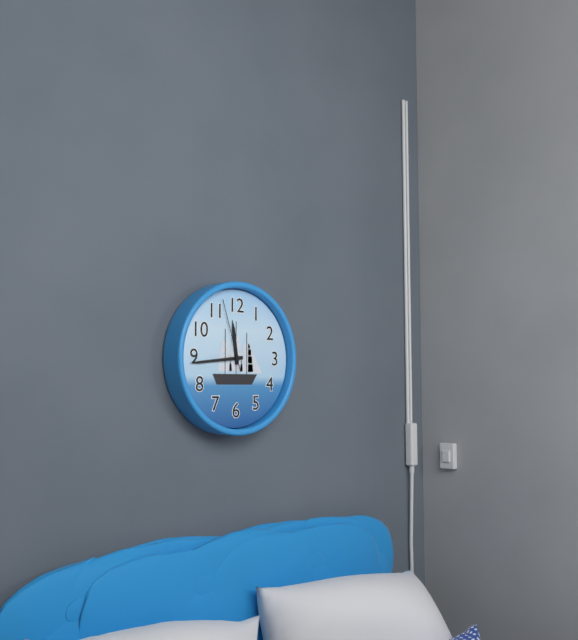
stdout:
11:44:57
